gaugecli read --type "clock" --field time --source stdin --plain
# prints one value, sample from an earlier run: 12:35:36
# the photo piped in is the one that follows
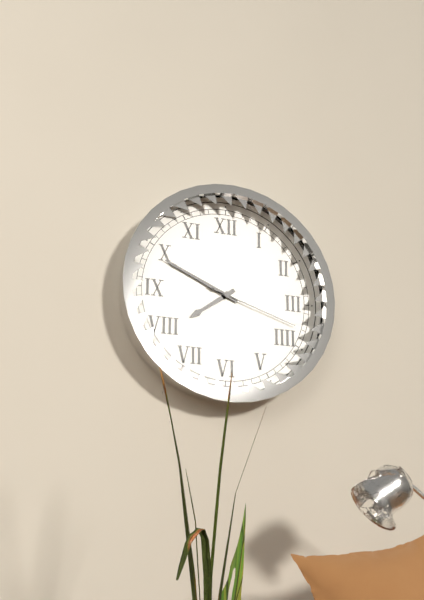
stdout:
7:49:18
